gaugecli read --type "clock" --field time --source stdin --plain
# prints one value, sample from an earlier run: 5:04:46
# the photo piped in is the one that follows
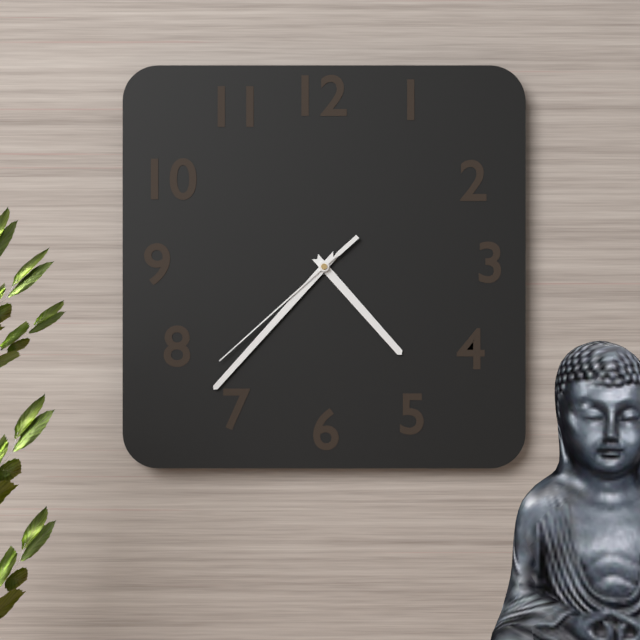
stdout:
4:37:38
